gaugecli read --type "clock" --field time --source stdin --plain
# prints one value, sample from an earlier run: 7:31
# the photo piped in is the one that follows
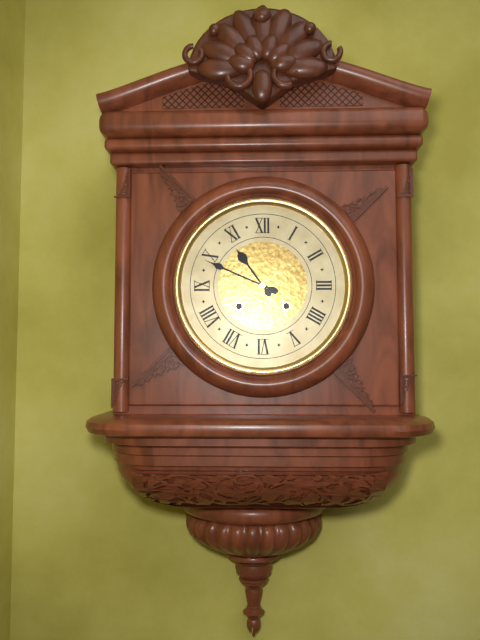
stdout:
10:49
